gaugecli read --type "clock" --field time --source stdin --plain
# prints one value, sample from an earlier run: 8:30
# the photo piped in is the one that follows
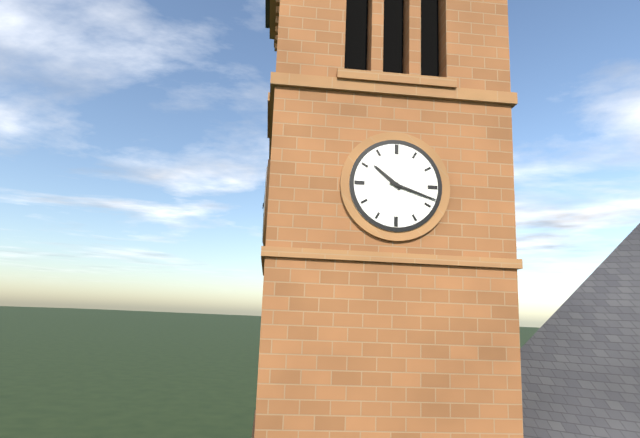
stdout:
10:18
